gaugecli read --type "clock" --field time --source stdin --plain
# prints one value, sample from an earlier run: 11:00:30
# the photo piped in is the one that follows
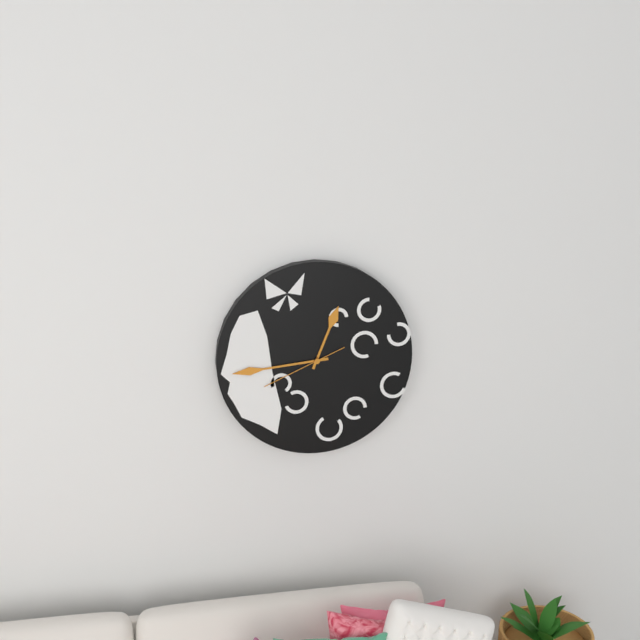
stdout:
12:44:41
